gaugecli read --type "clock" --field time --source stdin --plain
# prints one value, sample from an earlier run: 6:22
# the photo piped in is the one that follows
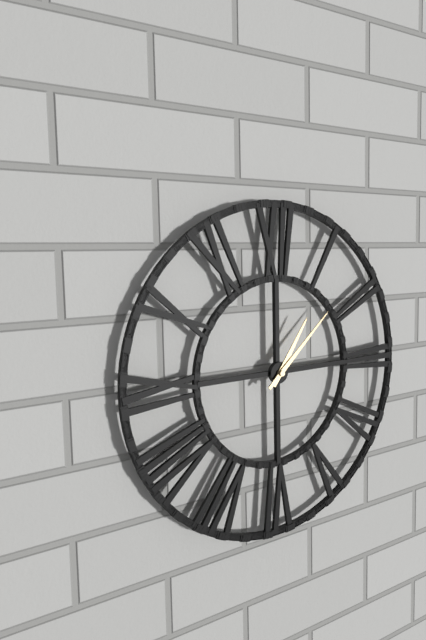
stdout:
1:08
